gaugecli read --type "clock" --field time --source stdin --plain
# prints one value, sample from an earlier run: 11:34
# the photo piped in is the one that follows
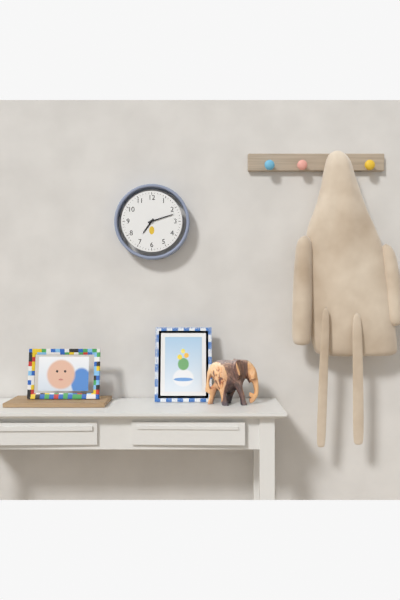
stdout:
7:12
